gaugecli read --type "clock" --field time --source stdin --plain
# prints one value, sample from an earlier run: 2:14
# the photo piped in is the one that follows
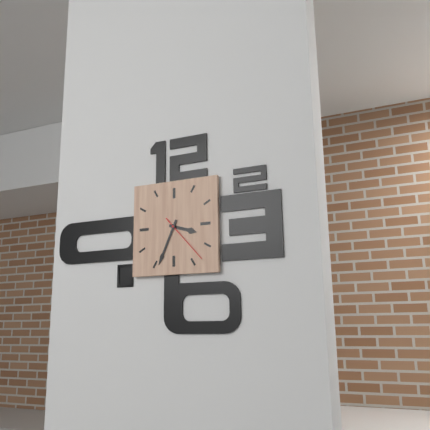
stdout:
3:34
